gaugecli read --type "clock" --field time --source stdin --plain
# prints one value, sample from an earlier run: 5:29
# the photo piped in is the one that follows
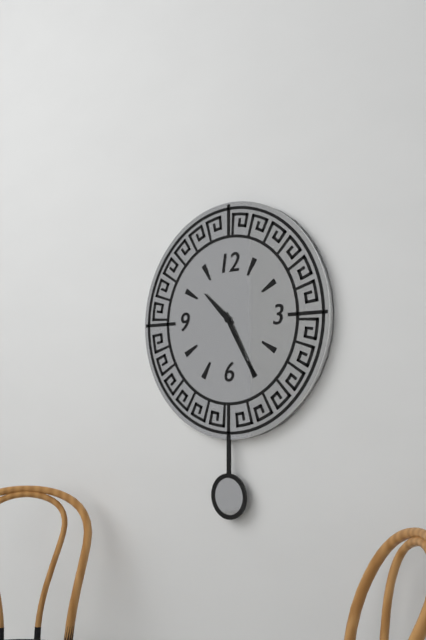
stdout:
10:25
